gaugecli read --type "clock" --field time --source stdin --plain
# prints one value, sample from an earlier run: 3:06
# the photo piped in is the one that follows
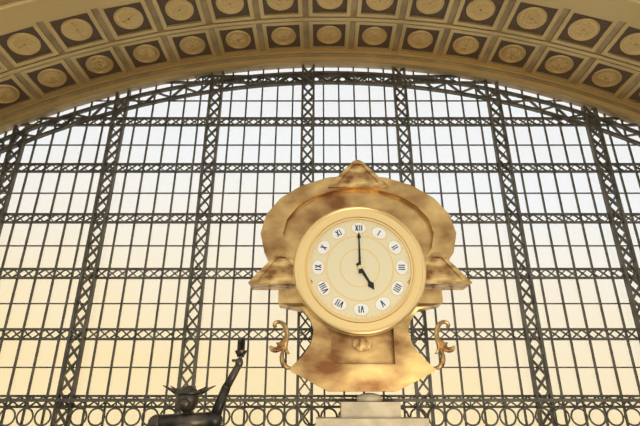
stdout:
5:00
